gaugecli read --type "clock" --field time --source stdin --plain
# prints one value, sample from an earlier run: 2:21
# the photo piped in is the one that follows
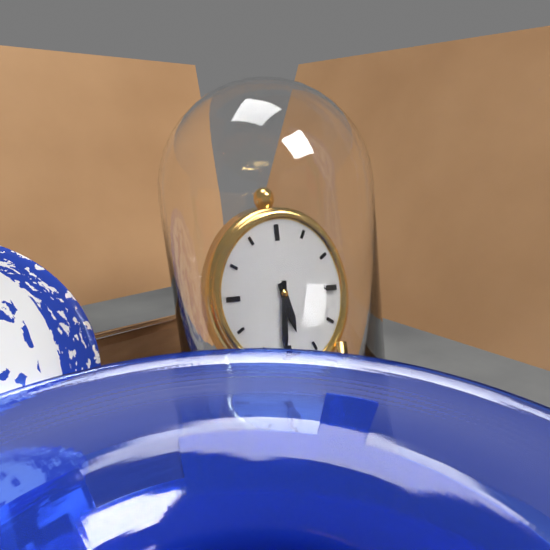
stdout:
5:31
